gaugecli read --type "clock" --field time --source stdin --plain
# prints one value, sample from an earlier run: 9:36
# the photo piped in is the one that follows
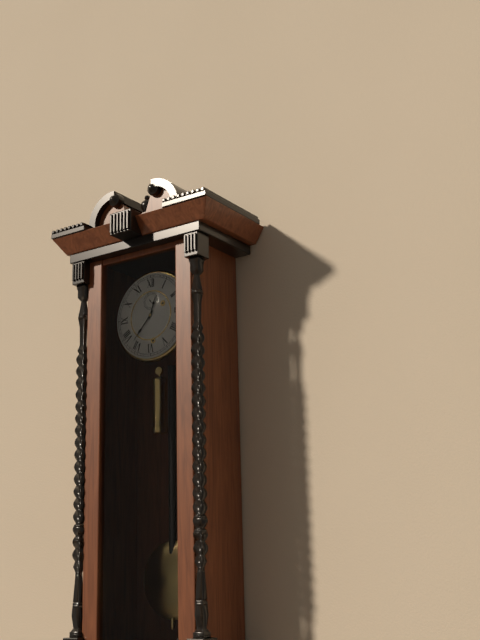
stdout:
12:37
